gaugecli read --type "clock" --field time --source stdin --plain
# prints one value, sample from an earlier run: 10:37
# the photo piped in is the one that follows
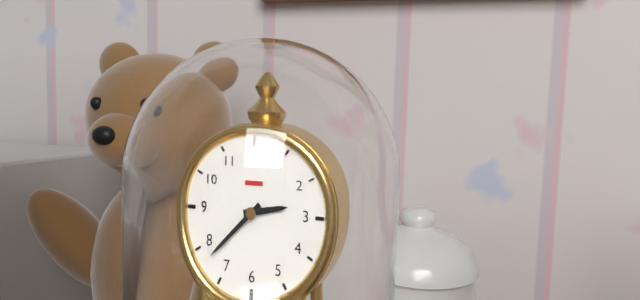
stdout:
2:38
